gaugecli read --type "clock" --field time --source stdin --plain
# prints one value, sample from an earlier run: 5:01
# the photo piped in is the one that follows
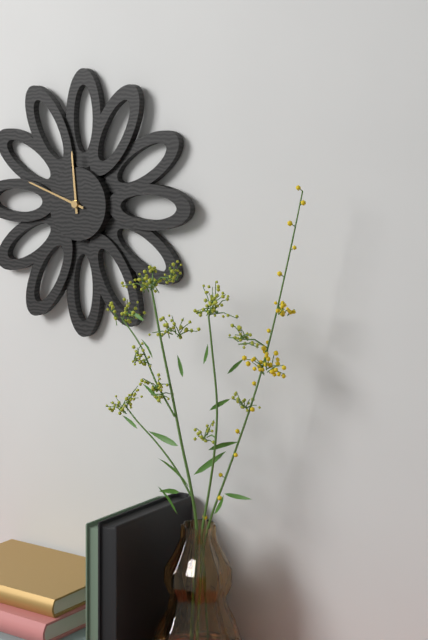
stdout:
11:48
